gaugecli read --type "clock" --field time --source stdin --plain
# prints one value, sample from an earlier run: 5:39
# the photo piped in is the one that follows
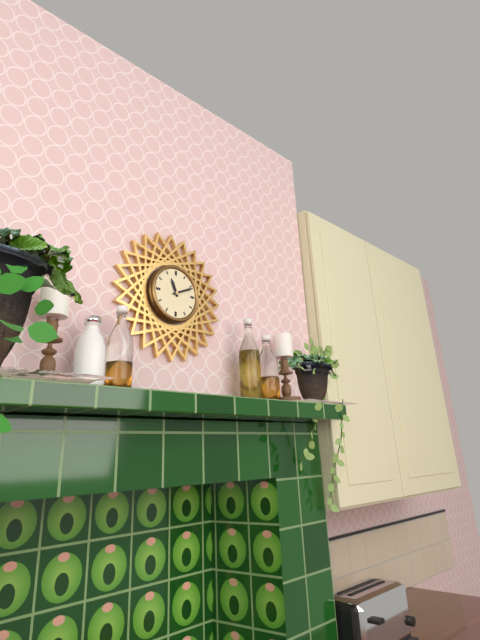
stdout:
11:11
